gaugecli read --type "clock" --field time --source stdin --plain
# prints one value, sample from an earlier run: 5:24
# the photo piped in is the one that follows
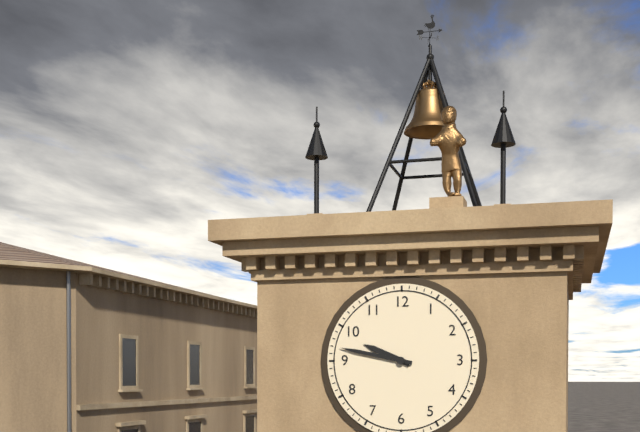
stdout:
9:47
